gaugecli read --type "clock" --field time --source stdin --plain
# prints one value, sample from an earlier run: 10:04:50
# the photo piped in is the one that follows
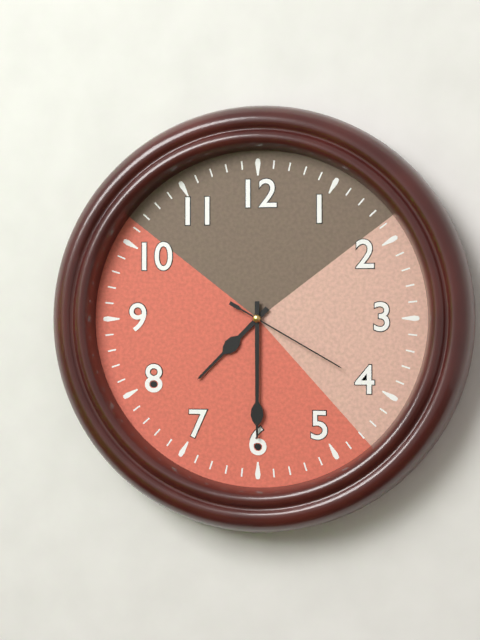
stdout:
7:30:20
